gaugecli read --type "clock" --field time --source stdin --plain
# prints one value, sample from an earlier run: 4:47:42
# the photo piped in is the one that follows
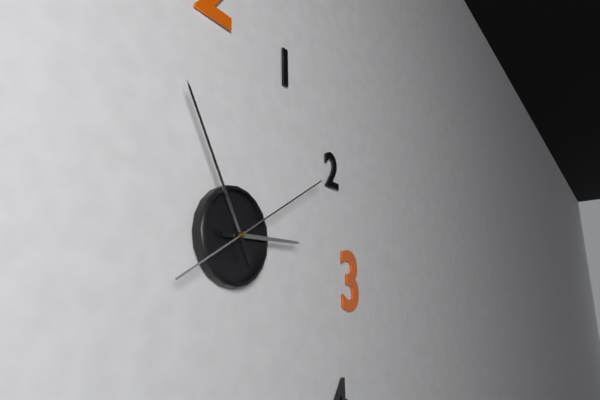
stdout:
2:55:10
